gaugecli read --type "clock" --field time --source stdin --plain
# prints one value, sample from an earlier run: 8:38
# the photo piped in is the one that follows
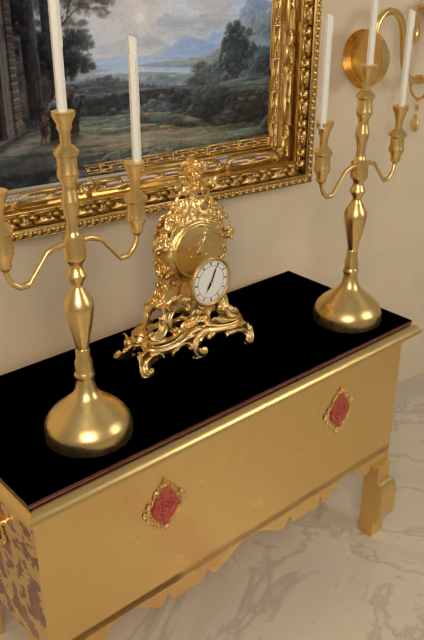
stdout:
7:04
